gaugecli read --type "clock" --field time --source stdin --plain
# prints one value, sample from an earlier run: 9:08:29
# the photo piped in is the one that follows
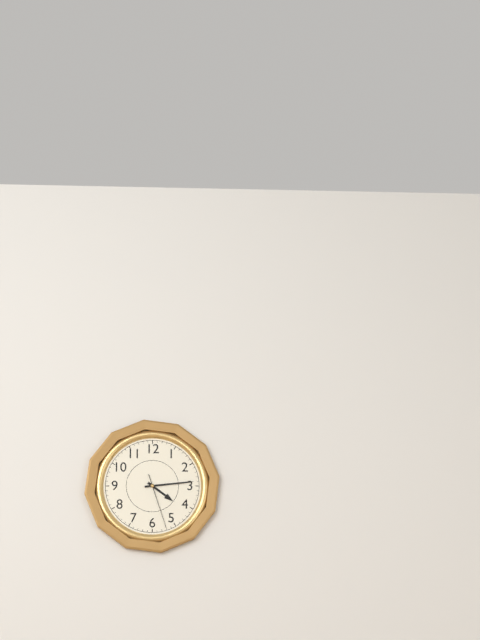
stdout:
4:14:27
